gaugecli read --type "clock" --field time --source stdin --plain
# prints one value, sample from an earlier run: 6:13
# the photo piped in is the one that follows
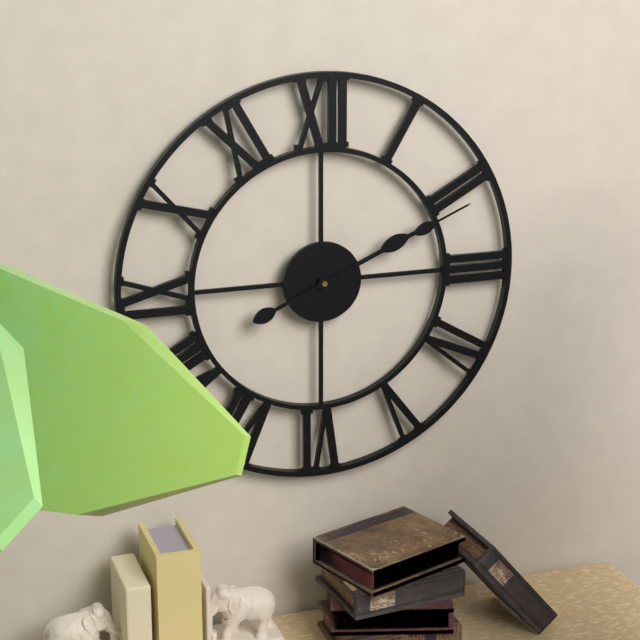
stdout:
2:11
